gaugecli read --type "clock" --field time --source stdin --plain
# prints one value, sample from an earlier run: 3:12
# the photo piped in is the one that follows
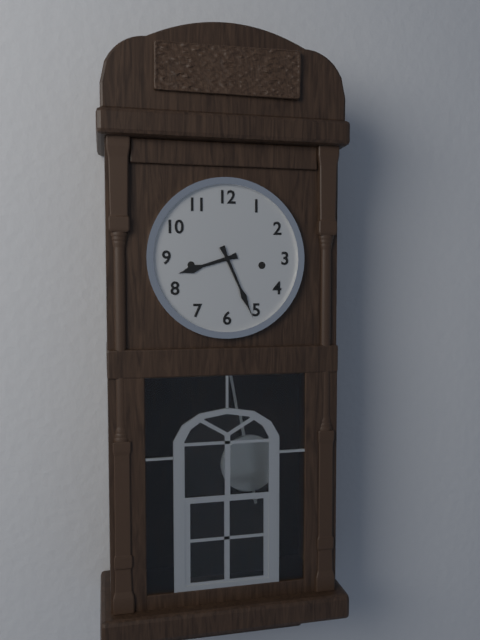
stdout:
8:26
